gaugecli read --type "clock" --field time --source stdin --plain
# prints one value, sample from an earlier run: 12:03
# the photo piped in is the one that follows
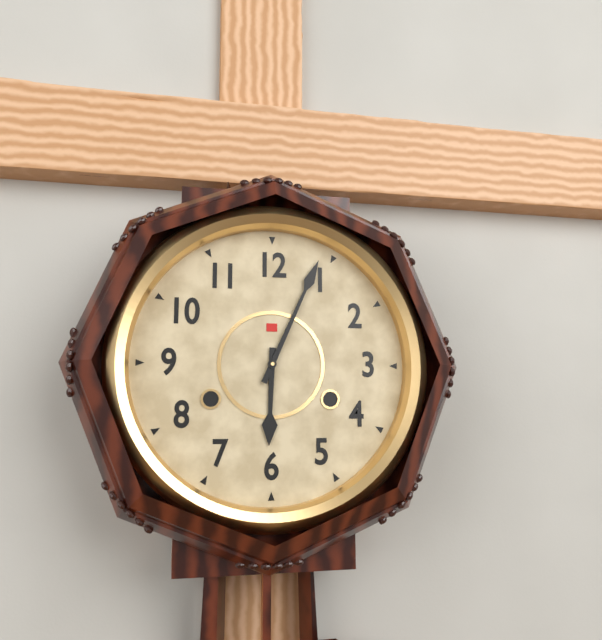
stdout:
6:04
